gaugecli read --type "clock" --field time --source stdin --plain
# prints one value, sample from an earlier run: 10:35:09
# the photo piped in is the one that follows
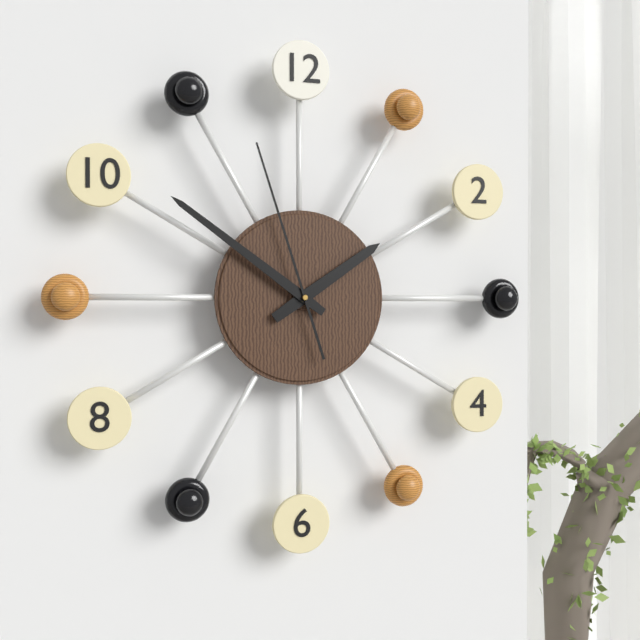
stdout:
1:51:57
